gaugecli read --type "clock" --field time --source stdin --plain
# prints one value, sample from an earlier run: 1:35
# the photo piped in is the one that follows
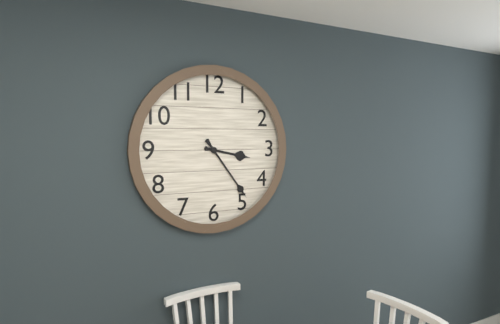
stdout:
3:24
